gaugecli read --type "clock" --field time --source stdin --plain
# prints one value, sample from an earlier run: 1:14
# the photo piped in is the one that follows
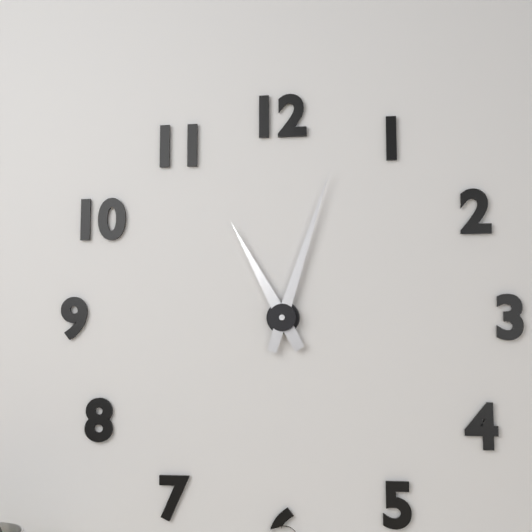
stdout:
11:03
